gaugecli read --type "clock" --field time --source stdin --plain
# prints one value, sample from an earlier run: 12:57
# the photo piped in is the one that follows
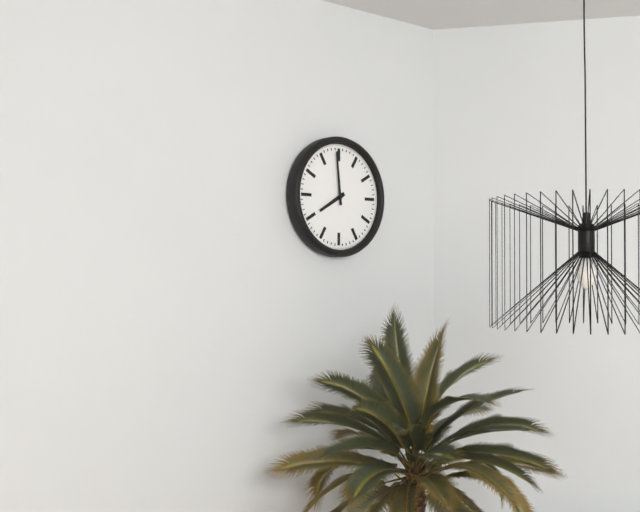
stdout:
7:59
